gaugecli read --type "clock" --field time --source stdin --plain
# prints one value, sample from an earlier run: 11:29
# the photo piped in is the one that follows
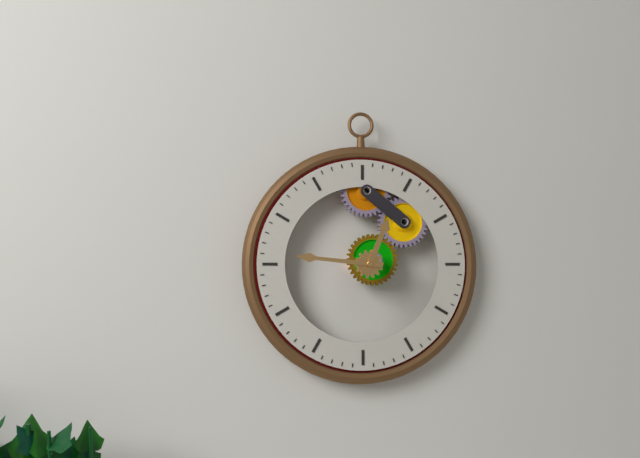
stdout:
12:46
